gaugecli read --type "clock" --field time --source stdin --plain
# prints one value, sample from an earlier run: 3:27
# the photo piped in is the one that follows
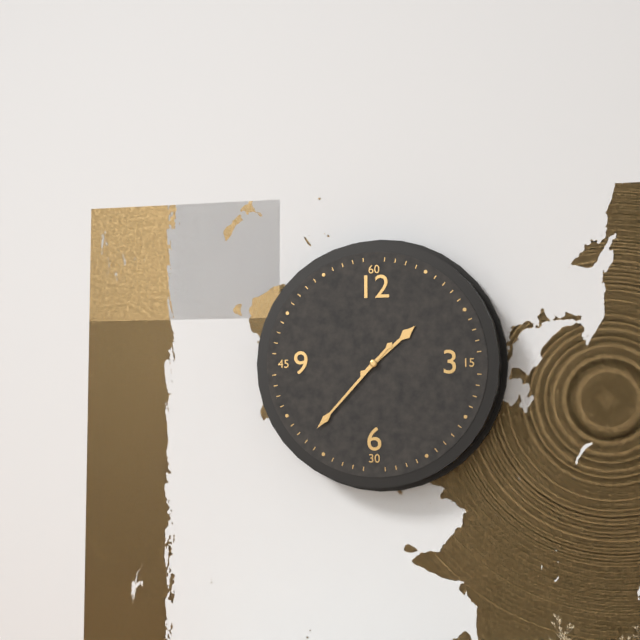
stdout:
1:37
